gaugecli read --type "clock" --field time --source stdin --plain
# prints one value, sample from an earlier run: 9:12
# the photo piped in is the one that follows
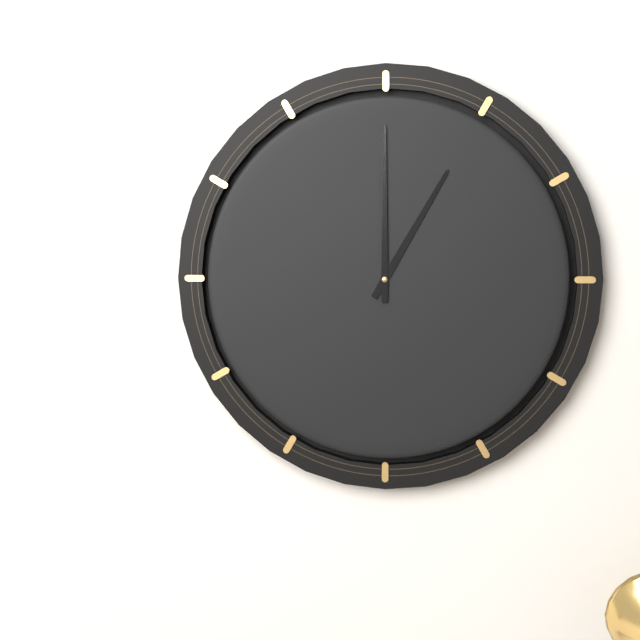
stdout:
1:00
